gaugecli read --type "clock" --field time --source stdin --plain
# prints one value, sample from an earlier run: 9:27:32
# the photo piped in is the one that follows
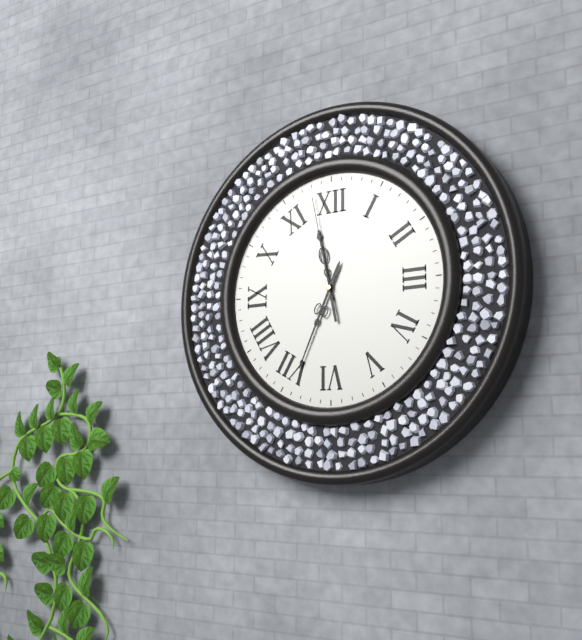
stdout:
11:34:58
